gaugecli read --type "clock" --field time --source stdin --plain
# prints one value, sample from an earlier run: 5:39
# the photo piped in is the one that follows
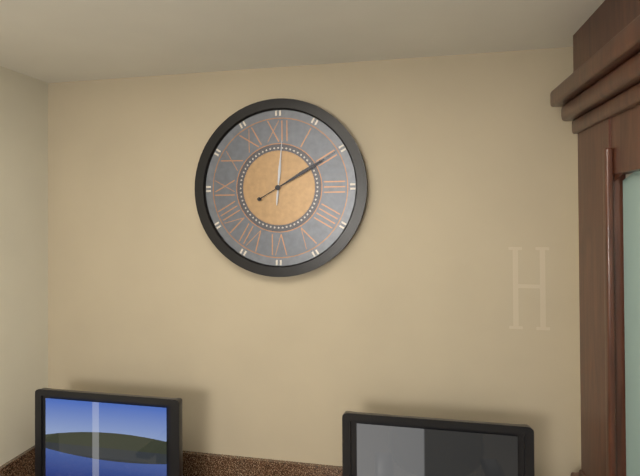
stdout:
12:10
